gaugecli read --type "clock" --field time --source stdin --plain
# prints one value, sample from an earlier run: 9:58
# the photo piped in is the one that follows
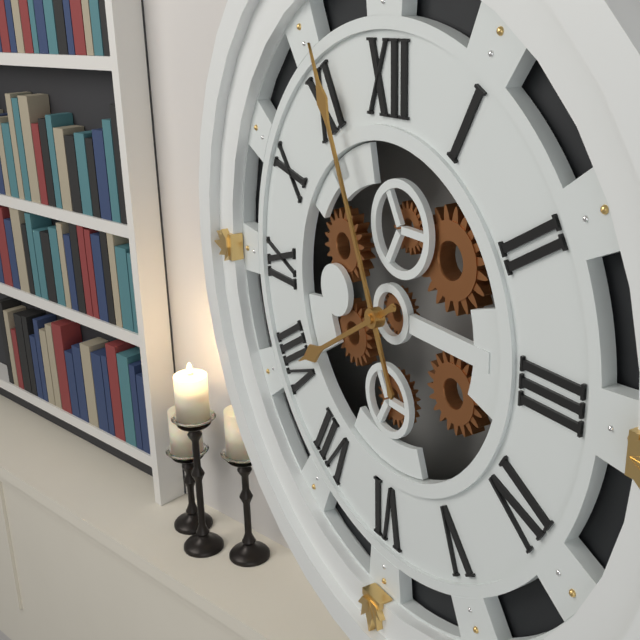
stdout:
7:56
